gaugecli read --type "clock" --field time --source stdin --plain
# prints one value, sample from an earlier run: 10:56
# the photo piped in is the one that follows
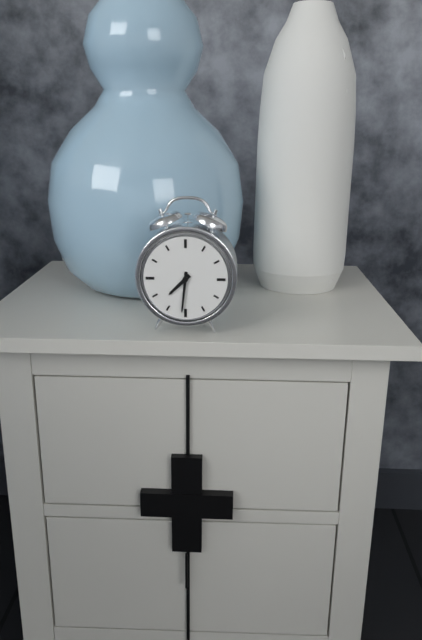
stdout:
7:31
